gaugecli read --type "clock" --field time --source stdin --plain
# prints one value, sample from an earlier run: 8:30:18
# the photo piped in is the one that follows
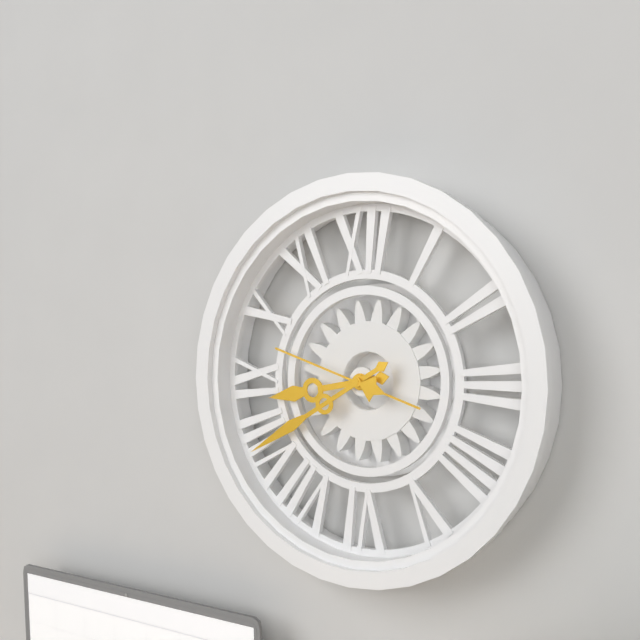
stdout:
8:40:48
